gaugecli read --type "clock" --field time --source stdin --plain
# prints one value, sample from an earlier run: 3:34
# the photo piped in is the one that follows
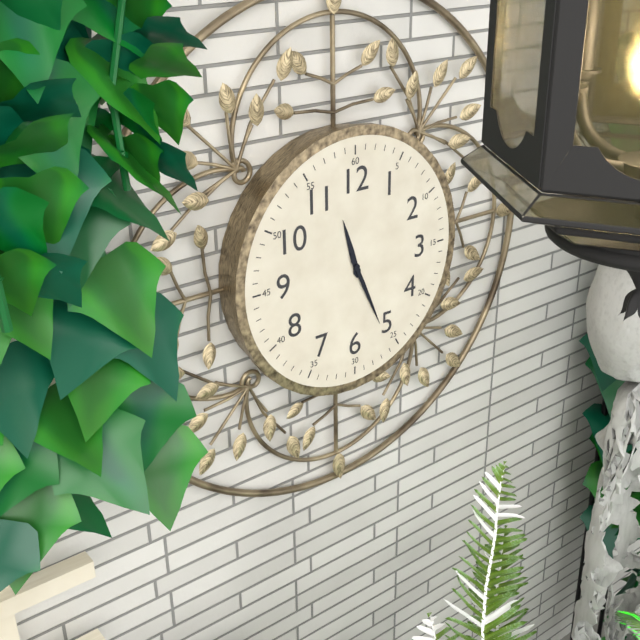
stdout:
11:26
